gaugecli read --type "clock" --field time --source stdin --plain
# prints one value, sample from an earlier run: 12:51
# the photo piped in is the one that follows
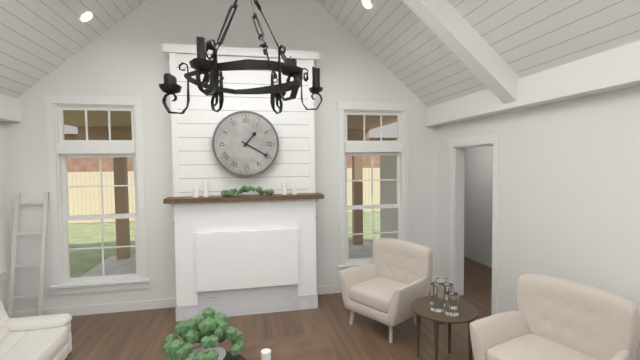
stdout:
1:20
